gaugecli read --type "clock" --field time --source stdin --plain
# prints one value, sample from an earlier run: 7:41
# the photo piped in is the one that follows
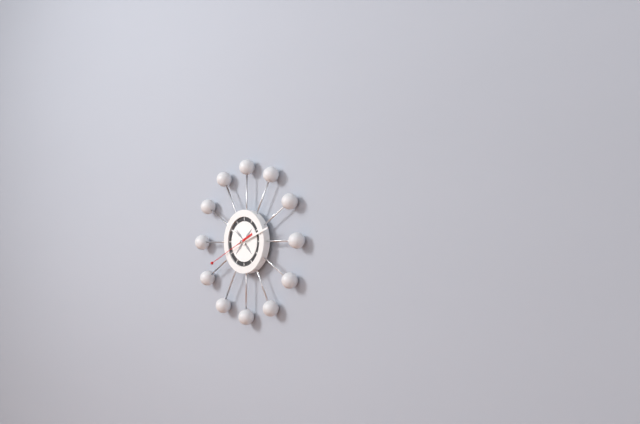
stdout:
10:12
